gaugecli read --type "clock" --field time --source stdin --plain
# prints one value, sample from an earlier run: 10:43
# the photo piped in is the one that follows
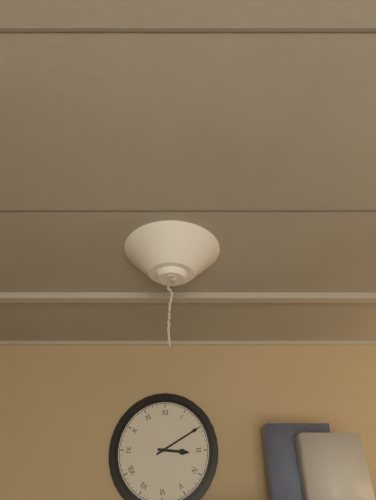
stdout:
3:10
